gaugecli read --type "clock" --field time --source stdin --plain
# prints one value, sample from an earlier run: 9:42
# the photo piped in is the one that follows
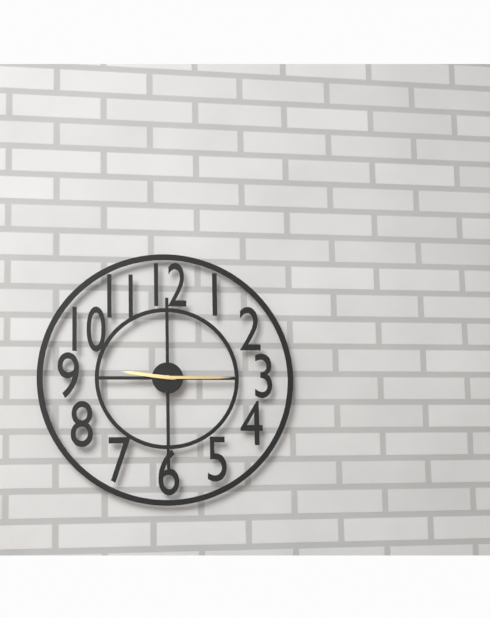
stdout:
9:15
